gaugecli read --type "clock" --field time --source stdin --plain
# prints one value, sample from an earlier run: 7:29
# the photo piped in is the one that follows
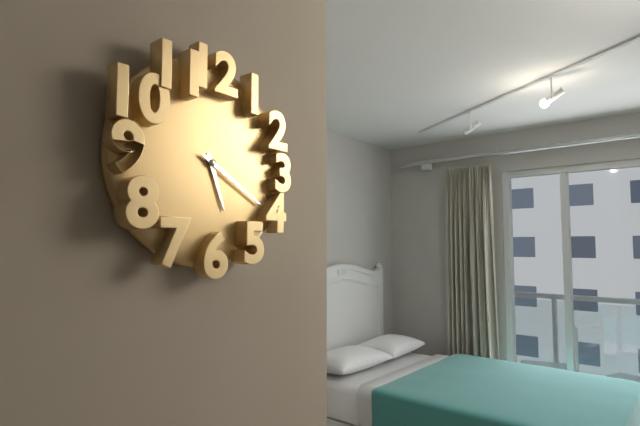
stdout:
5:20
